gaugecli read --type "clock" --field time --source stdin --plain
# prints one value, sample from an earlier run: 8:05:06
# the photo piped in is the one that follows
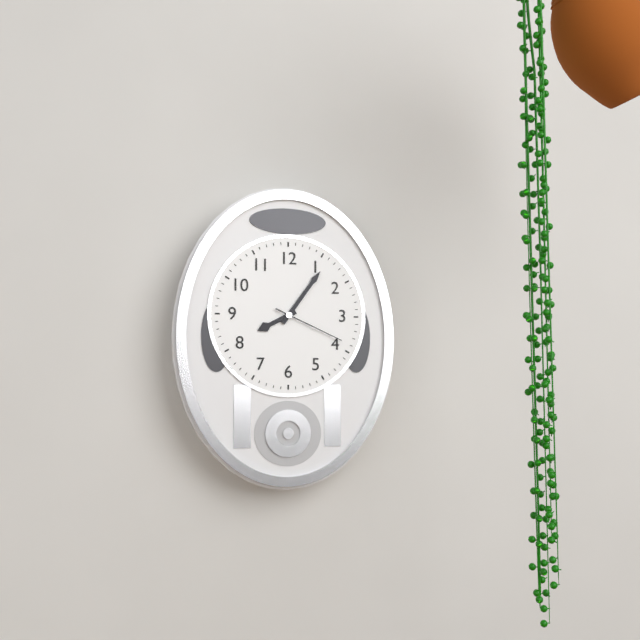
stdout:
8:06:19
